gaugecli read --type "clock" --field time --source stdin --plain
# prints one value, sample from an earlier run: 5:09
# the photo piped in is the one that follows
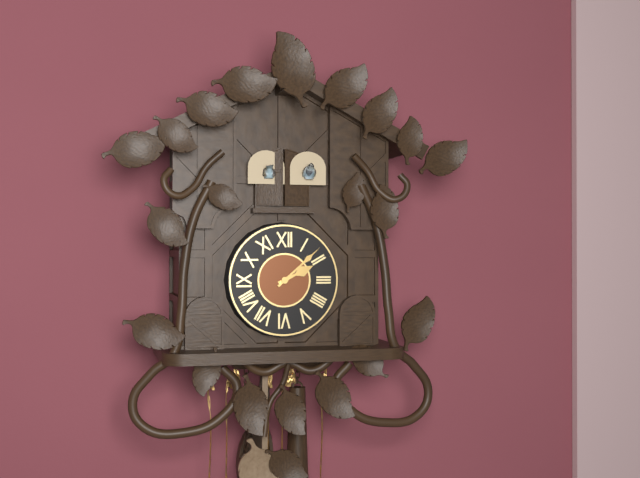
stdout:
2:08
